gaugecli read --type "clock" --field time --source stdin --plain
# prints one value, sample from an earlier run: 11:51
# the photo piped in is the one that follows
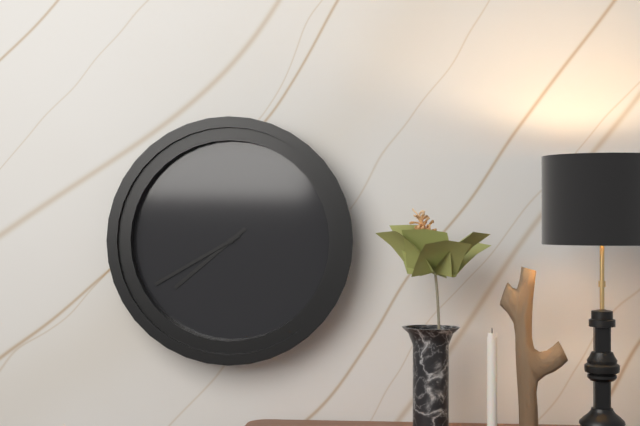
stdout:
7:40
